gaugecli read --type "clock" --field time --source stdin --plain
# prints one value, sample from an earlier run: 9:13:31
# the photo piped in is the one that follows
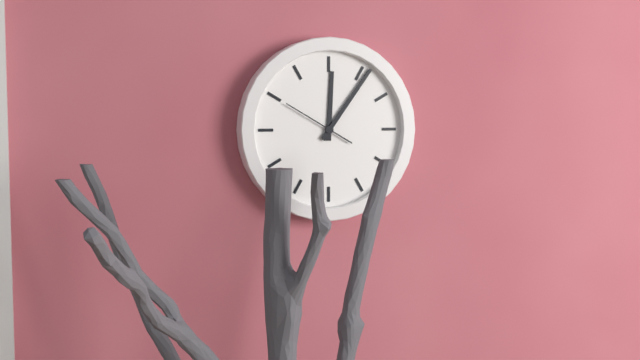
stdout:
12:06:50
